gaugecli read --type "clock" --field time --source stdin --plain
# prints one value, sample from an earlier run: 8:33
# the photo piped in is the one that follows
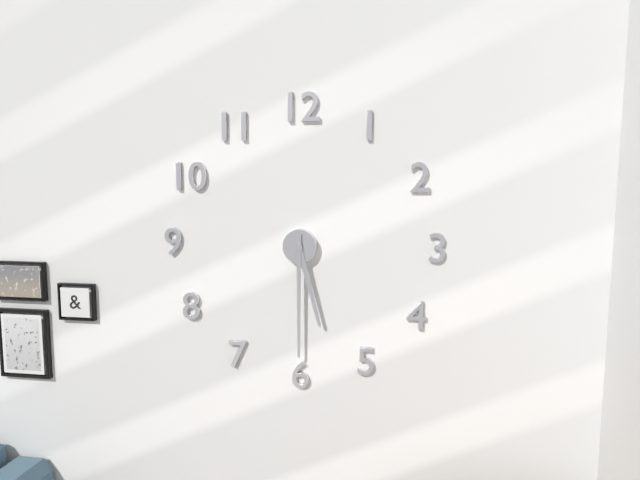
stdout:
5:30
